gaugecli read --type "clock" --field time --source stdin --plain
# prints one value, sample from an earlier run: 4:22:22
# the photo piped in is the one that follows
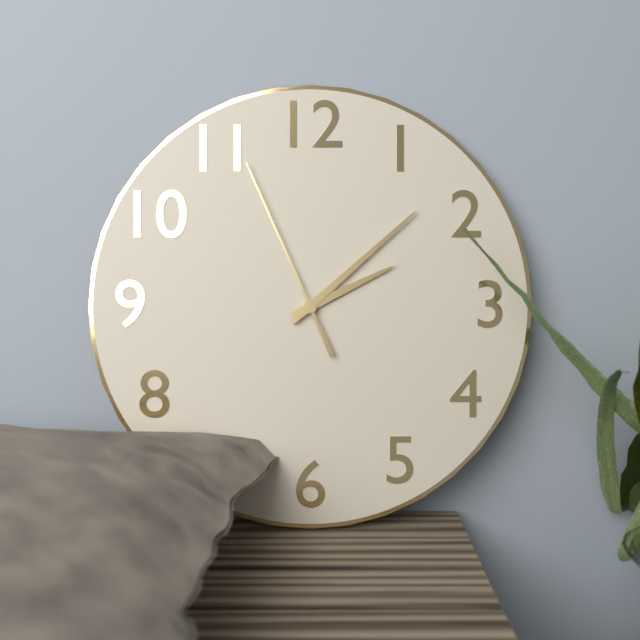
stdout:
2:08:56
